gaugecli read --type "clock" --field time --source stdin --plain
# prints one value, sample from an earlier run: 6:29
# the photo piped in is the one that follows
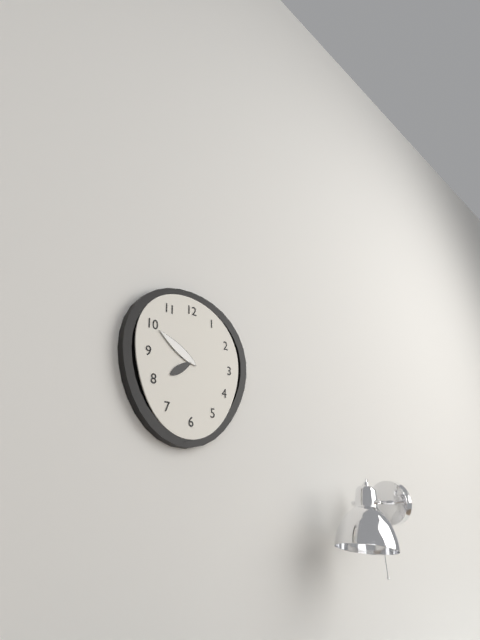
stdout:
7:50
